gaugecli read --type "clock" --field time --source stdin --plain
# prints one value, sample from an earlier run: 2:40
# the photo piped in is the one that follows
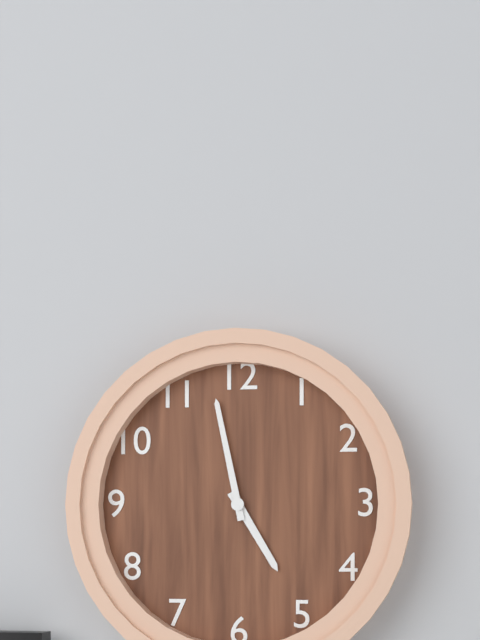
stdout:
4:58
